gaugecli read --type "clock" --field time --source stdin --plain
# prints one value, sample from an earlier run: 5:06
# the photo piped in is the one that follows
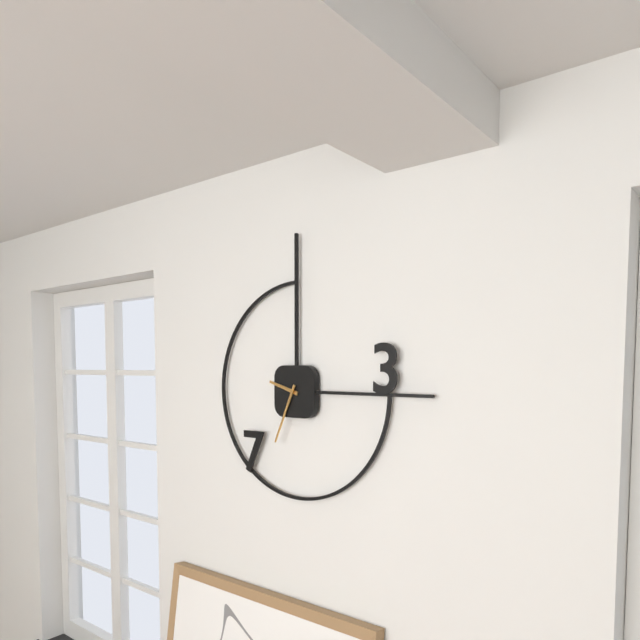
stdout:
9:34
